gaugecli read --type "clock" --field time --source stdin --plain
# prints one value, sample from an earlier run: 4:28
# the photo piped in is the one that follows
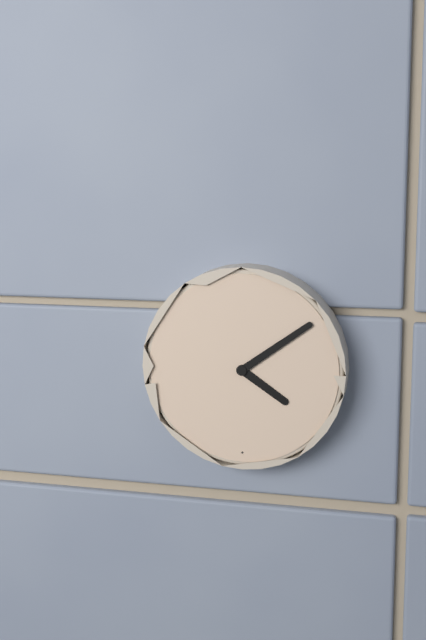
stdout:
4:09
